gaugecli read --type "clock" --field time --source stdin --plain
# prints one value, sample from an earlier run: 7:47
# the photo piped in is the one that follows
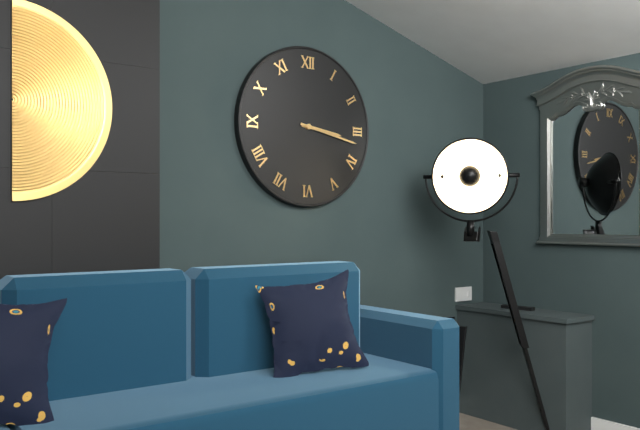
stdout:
3:17
